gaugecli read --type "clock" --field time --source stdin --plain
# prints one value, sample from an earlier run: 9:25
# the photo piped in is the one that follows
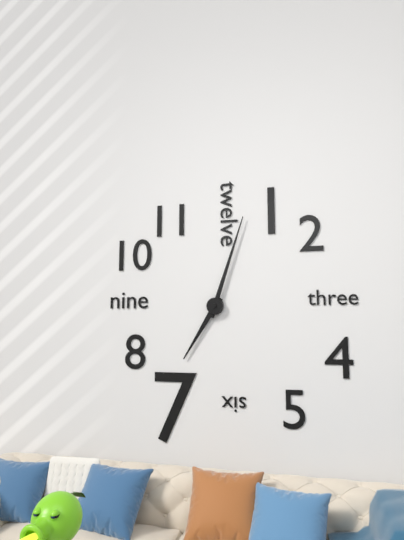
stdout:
7:03
